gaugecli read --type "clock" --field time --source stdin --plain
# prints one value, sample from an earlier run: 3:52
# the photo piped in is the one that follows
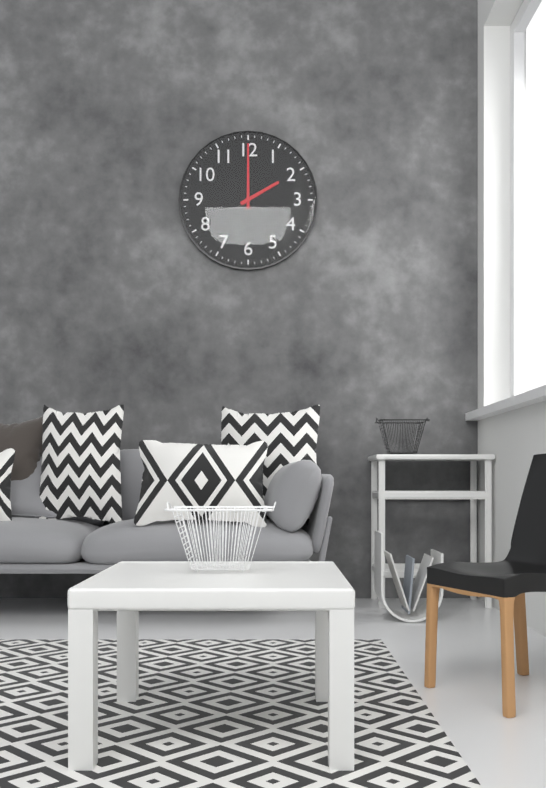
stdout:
2:00
